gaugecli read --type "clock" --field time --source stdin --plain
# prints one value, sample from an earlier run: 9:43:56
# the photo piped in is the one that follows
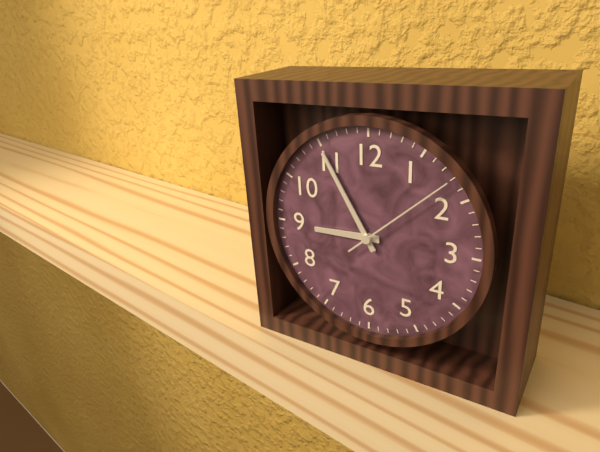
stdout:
8:55:08
